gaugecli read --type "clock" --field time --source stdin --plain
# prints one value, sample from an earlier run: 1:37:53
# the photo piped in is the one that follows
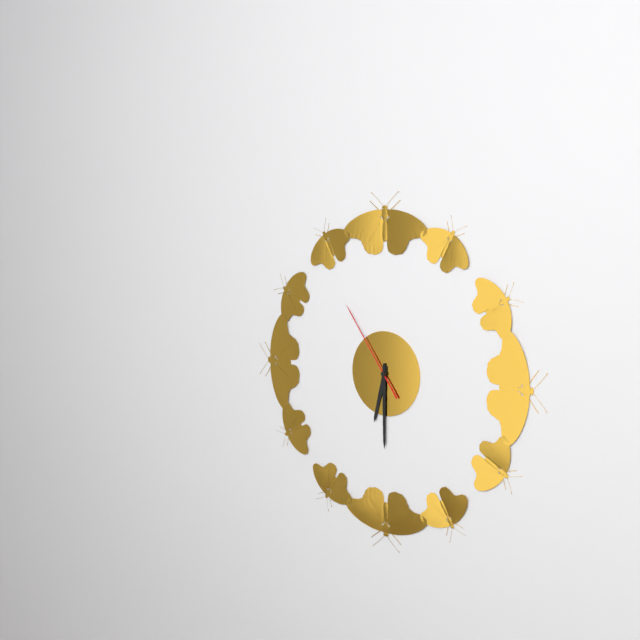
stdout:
6:30:54
